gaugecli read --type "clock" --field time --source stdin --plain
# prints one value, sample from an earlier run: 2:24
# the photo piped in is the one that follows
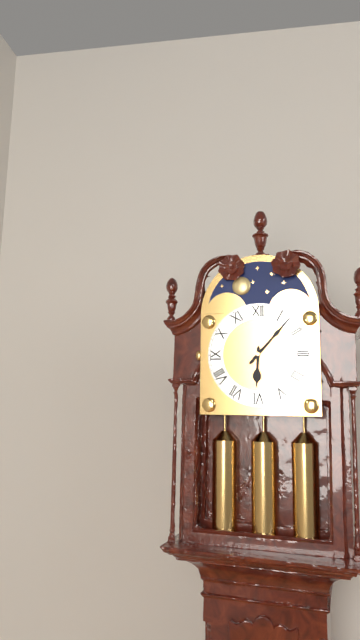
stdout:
6:07
